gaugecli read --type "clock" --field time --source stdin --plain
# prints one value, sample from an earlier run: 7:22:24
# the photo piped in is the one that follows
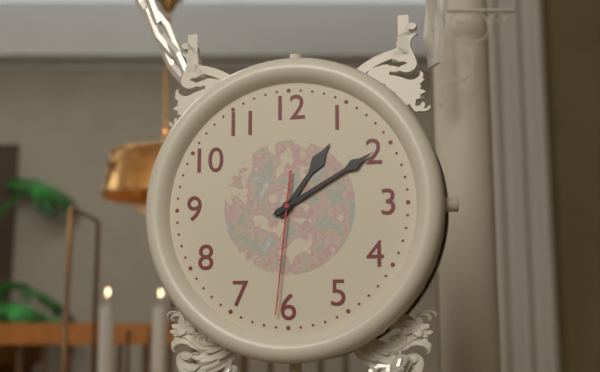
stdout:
1:10:31
